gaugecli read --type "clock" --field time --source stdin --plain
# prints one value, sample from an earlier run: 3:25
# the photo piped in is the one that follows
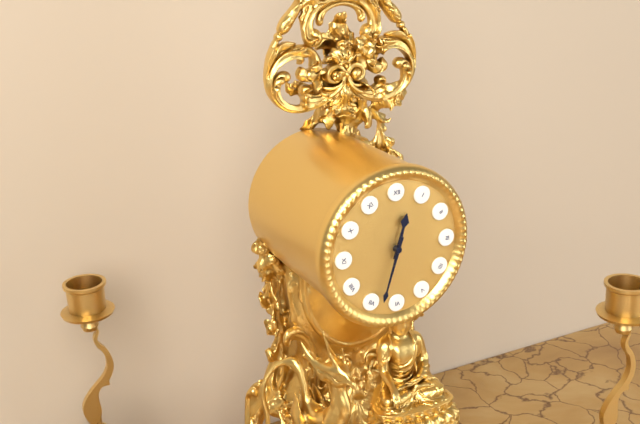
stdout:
12:33
